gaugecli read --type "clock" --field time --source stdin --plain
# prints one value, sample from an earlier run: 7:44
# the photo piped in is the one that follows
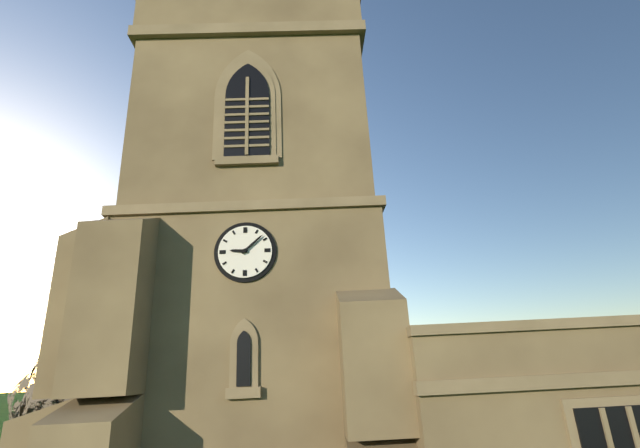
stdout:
9:08
